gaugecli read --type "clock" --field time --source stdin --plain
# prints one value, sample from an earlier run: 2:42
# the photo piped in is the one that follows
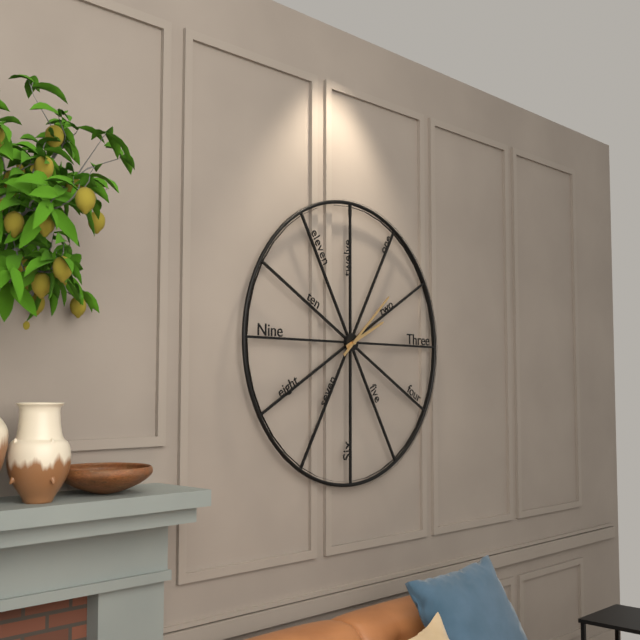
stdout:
2:08
